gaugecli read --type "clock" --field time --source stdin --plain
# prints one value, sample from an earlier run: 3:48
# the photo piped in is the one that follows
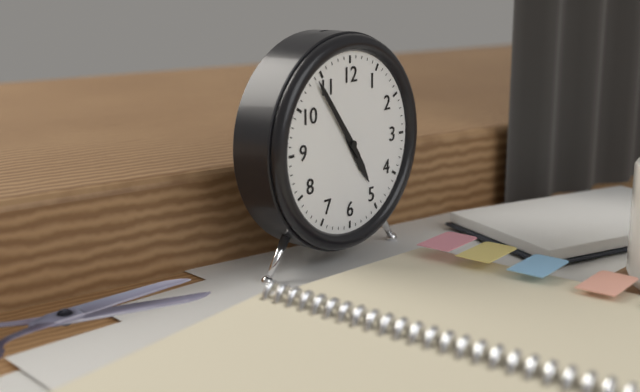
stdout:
4:54
